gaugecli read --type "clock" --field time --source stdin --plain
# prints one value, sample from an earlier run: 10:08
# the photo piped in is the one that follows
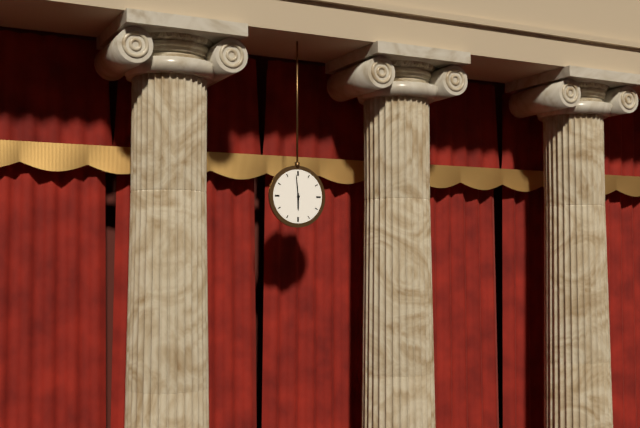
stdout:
5:59
